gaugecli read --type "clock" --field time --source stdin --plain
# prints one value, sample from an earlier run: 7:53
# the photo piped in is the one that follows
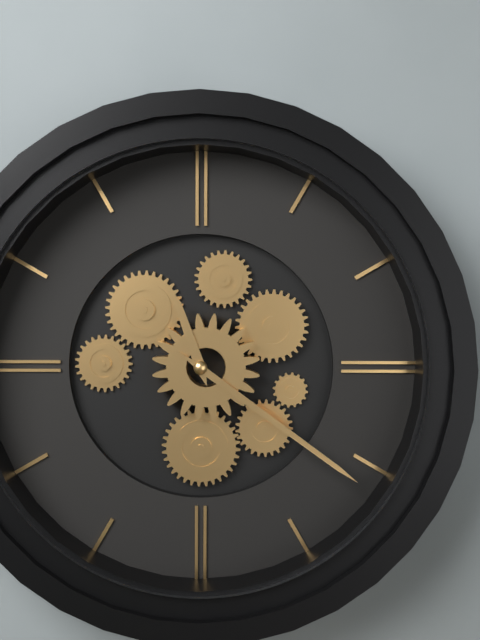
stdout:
11:21
